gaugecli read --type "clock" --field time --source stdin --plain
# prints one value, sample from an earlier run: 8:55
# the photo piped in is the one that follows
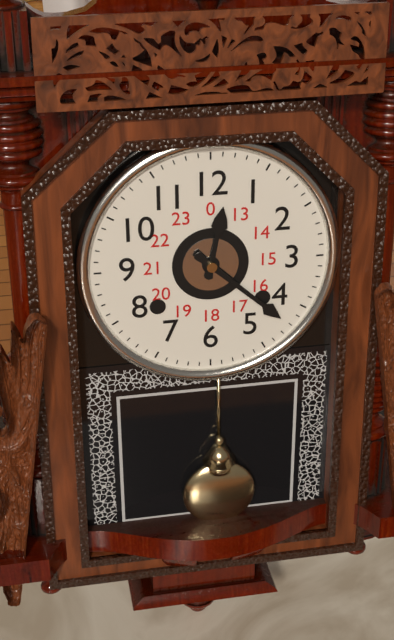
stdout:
12:22
